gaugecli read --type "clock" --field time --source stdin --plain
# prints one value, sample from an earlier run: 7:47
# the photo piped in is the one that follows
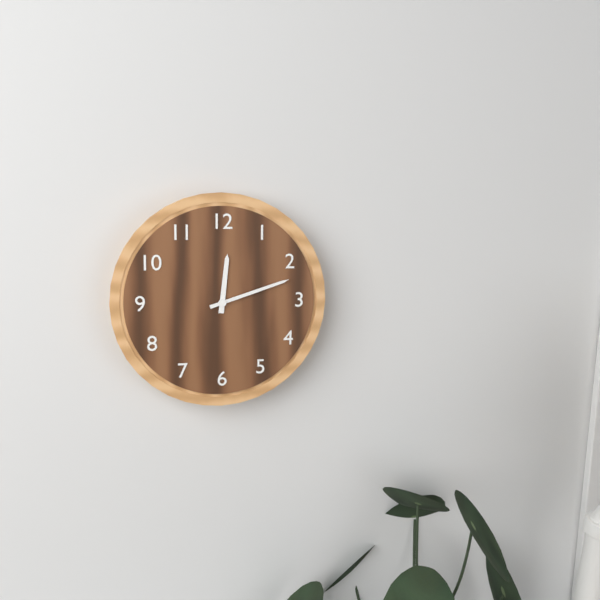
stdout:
12:12
